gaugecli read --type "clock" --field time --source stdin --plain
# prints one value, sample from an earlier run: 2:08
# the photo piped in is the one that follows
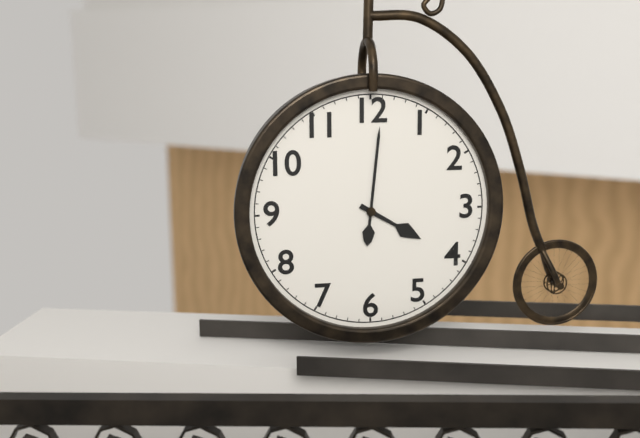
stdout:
4:01
